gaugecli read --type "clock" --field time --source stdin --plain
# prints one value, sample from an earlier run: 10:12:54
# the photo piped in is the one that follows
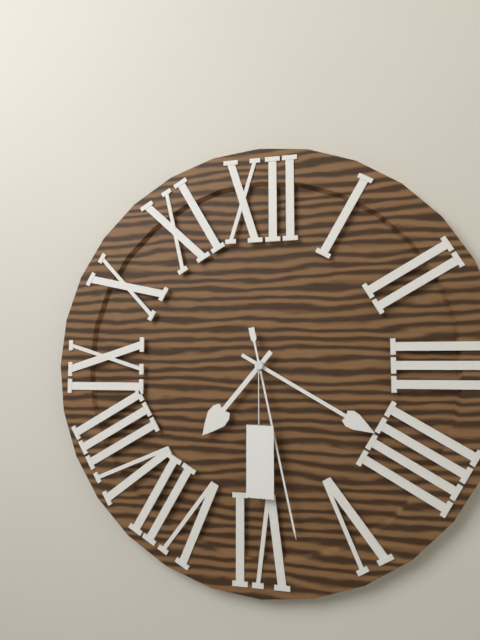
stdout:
7:20:28
